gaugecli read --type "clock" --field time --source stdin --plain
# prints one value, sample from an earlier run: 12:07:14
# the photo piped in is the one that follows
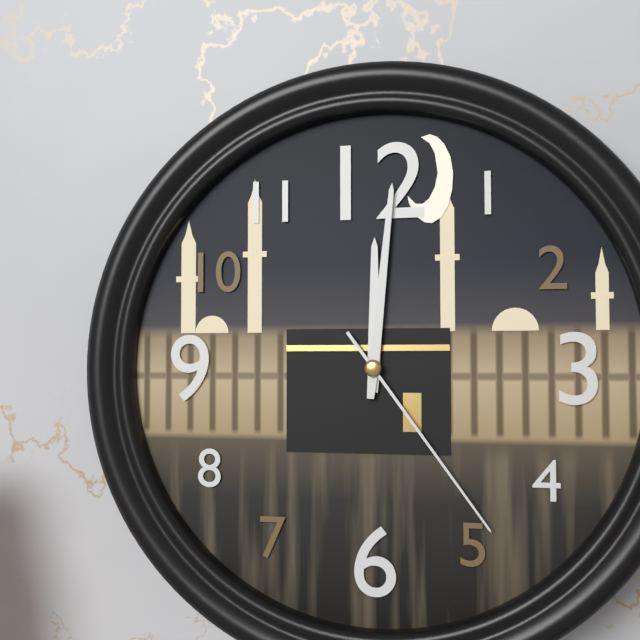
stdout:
12:01:24
